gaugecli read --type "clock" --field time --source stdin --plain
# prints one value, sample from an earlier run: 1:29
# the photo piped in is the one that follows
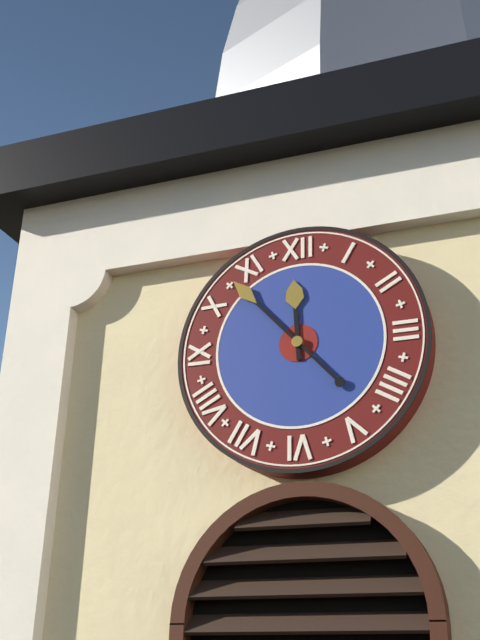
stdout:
11:53
